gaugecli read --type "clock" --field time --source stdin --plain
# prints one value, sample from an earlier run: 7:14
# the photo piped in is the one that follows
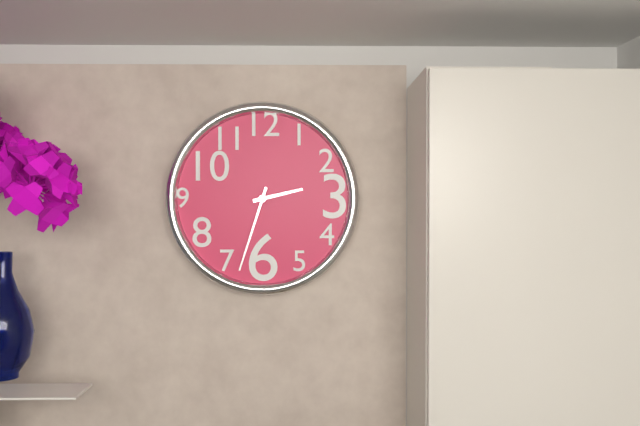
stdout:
2:33
